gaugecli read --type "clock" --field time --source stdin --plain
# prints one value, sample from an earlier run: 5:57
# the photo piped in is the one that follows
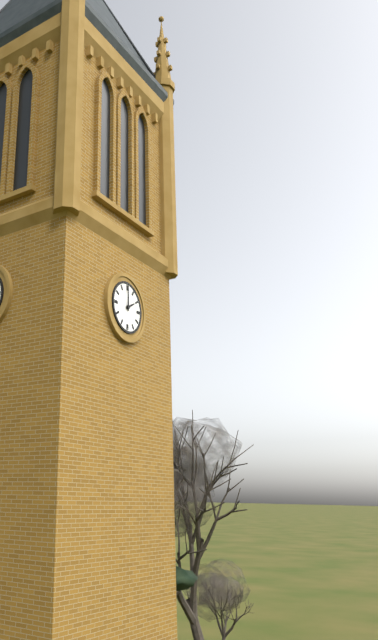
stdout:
2:00
